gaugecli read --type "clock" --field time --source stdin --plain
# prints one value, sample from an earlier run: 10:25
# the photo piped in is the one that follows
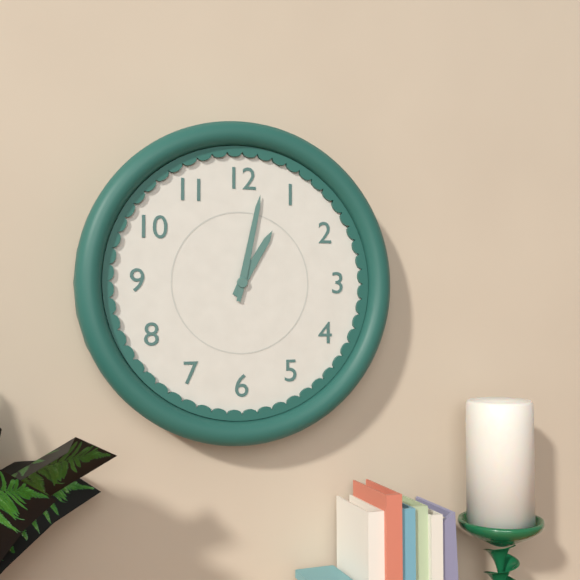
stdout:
1:02
